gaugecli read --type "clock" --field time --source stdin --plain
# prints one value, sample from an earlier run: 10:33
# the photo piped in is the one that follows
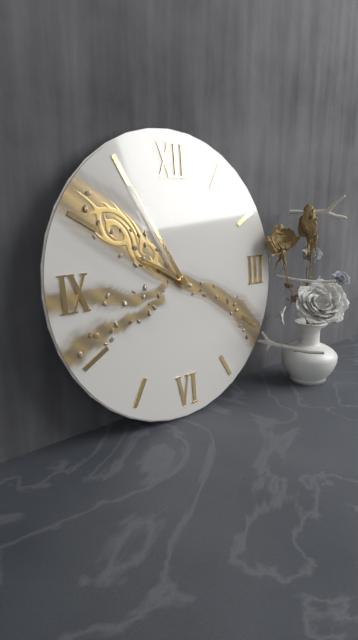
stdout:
9:55
